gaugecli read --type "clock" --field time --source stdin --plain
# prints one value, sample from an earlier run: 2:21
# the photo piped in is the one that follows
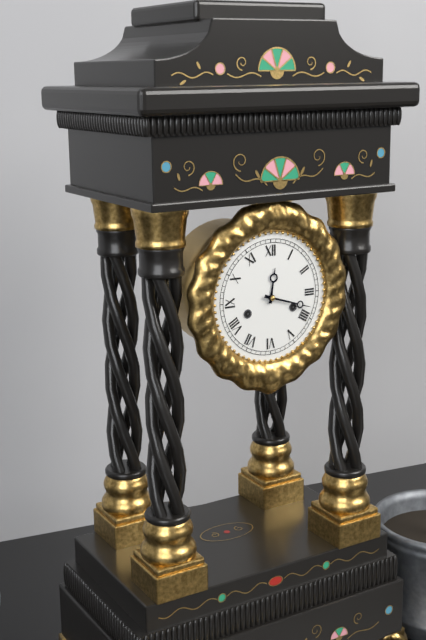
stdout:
12:18
